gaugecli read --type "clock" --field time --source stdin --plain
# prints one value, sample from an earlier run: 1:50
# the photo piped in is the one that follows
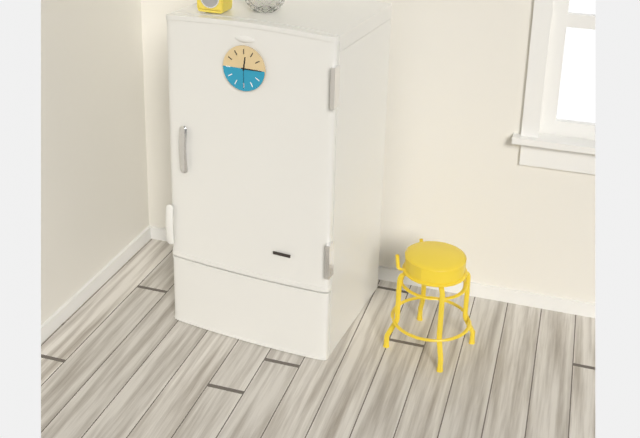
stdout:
12:15
